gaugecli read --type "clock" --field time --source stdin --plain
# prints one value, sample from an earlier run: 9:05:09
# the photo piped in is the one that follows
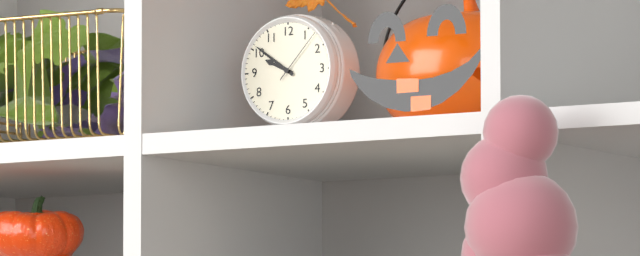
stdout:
9:51:07
